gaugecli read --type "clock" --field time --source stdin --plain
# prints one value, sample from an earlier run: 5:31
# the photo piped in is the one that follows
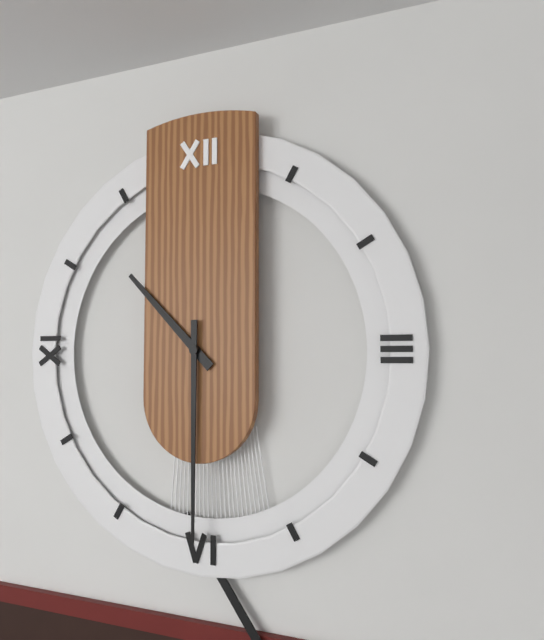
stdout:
10:30
